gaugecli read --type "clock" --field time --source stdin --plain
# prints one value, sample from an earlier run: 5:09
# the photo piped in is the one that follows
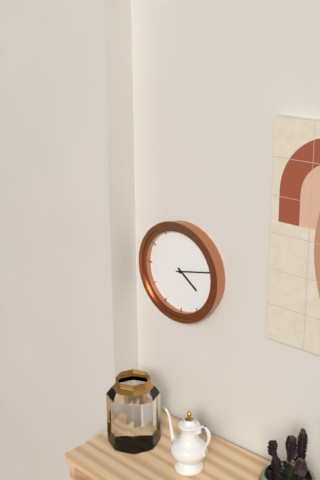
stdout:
4:13
